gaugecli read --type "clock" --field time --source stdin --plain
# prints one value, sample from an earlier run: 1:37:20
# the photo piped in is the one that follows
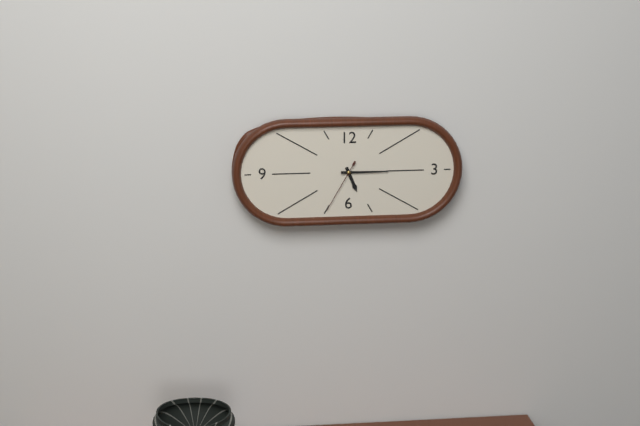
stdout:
5:15:35
